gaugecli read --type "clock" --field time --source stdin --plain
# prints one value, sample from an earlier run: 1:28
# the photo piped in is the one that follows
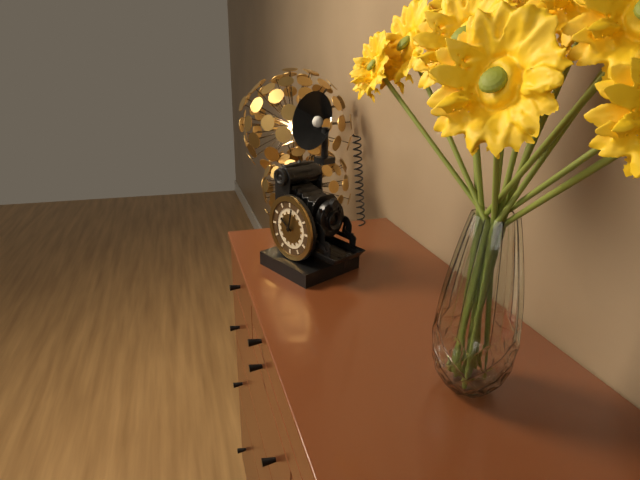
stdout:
10:02
